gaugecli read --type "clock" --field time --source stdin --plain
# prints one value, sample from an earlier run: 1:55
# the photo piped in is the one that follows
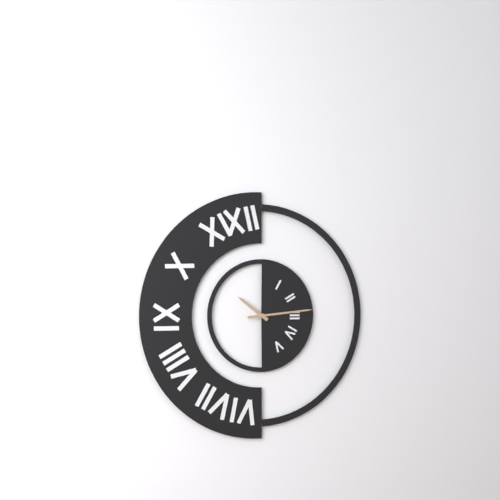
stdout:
10:14
